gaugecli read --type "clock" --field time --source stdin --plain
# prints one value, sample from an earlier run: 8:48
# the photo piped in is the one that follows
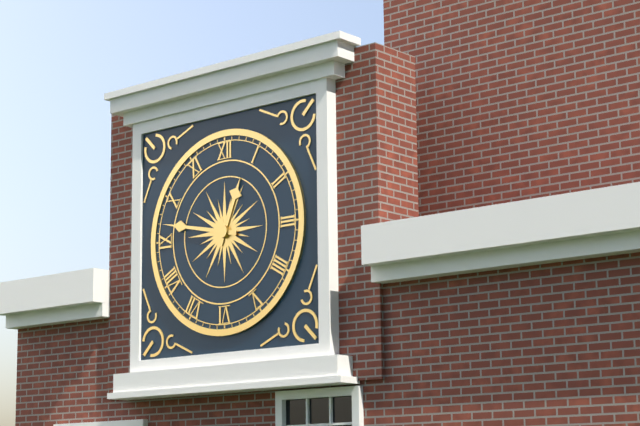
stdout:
12:47
